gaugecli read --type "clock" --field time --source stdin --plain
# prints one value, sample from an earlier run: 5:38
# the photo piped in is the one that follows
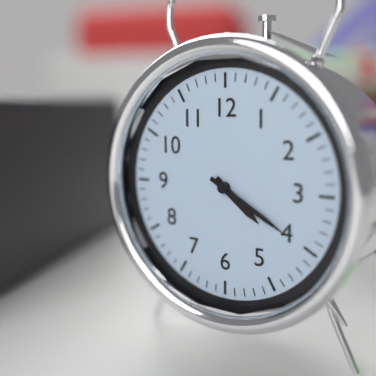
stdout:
4:20
